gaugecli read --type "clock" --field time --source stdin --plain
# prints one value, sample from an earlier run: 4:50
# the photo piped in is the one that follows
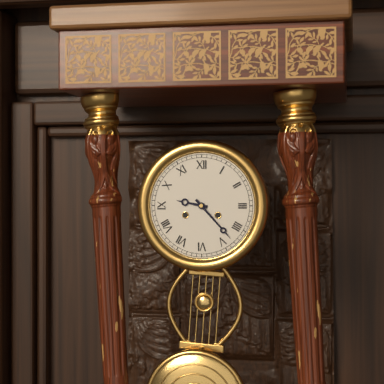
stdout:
9:23
